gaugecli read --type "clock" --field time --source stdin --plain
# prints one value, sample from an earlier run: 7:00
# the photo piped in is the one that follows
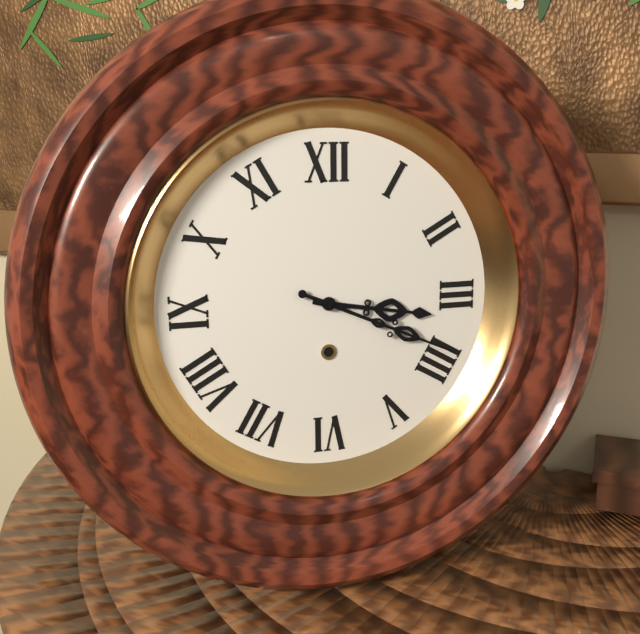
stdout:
3:19
